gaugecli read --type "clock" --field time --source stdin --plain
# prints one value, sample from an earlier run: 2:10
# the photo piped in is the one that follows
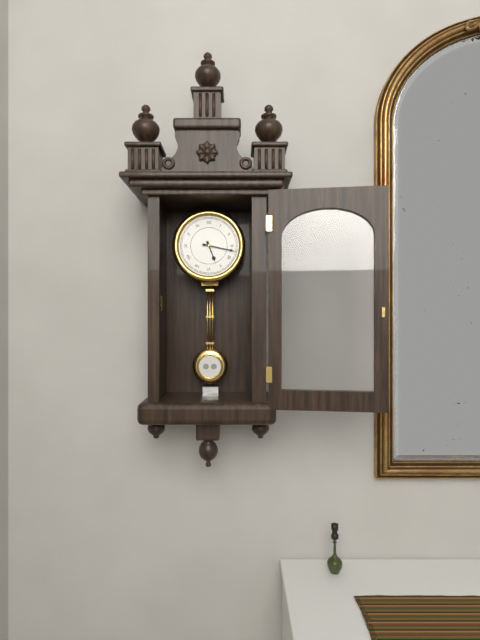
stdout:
5:17
